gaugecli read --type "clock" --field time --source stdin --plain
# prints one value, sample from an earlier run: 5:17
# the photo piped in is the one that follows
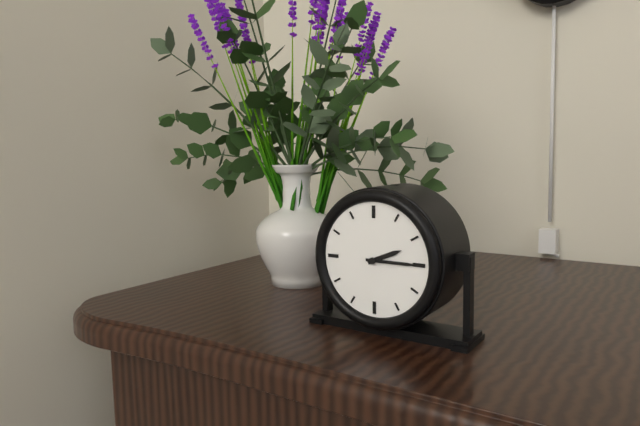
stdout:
2:15
